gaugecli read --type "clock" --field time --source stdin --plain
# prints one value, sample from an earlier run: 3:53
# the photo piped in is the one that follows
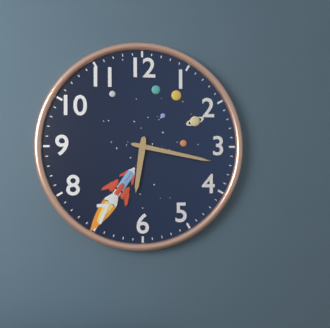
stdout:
6:17
